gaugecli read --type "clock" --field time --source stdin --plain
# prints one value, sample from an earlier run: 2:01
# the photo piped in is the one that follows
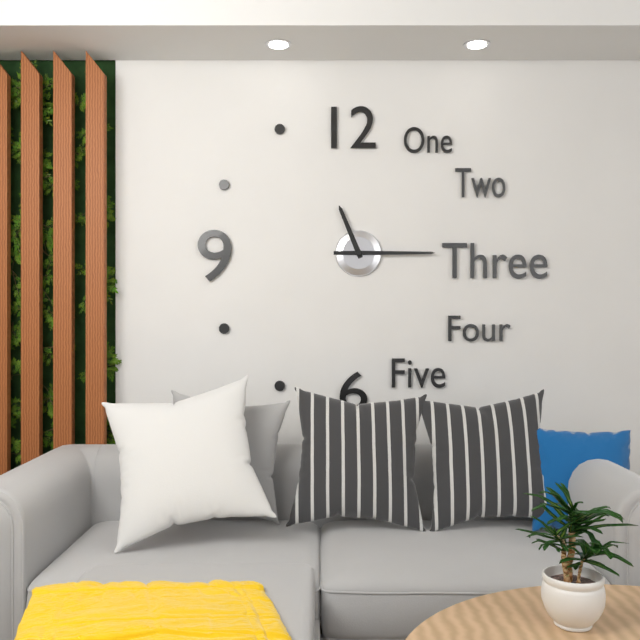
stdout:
11:15
